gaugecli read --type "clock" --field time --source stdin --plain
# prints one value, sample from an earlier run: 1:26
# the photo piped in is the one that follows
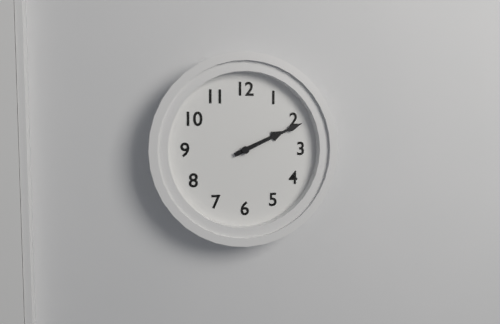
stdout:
2:11
